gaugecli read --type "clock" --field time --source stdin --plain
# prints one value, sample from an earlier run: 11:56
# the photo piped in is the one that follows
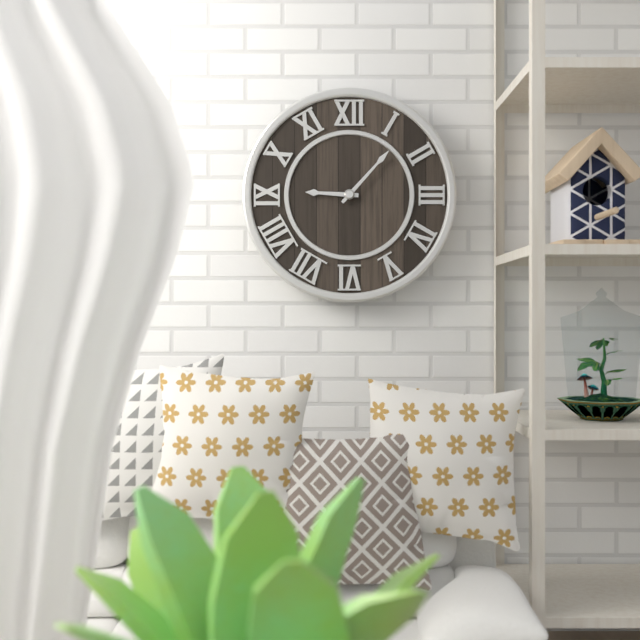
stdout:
9:07
